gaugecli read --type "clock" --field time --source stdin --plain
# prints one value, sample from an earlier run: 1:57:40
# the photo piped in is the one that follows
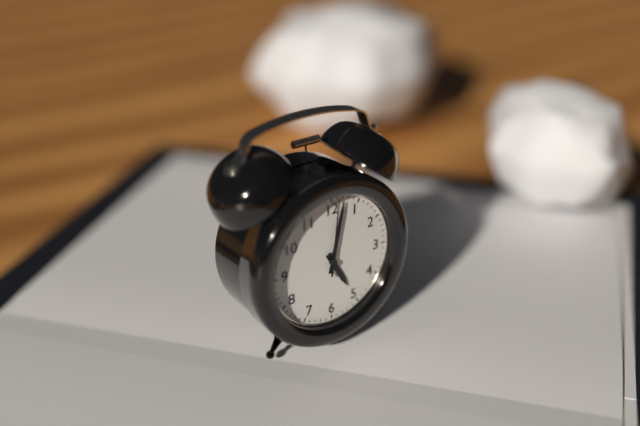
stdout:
5:02:01
